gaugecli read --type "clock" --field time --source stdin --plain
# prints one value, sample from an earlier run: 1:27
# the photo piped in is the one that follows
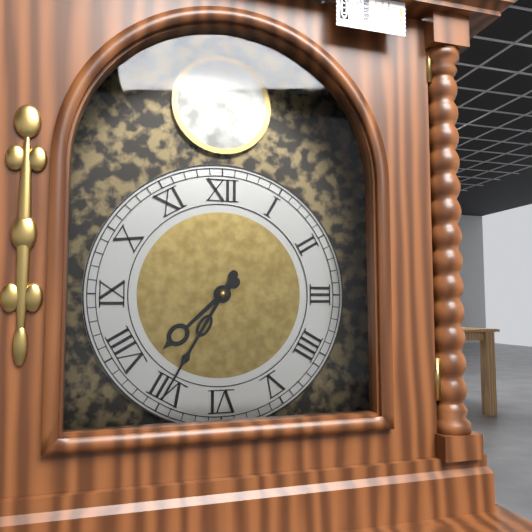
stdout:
7:35
